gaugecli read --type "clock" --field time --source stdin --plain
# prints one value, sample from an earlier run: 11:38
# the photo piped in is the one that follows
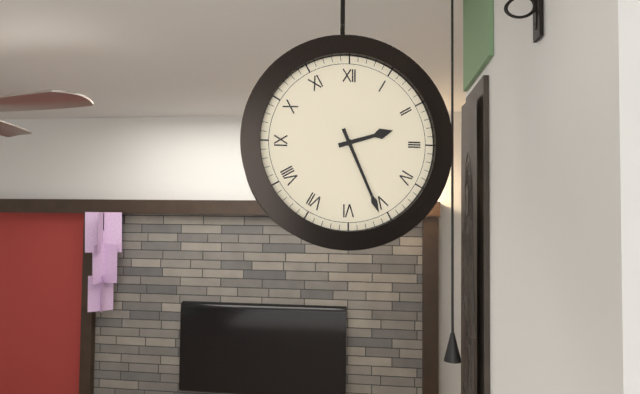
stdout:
2:26
